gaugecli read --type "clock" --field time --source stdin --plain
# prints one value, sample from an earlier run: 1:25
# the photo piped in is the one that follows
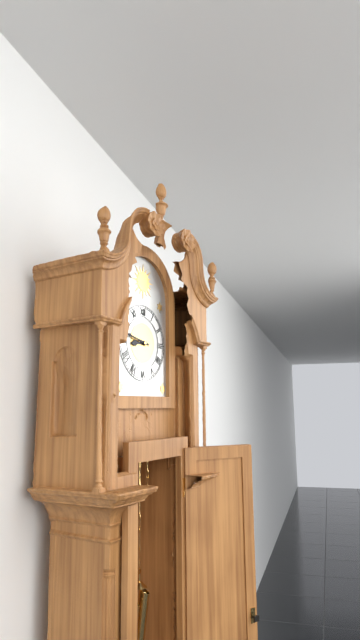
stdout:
8:47
